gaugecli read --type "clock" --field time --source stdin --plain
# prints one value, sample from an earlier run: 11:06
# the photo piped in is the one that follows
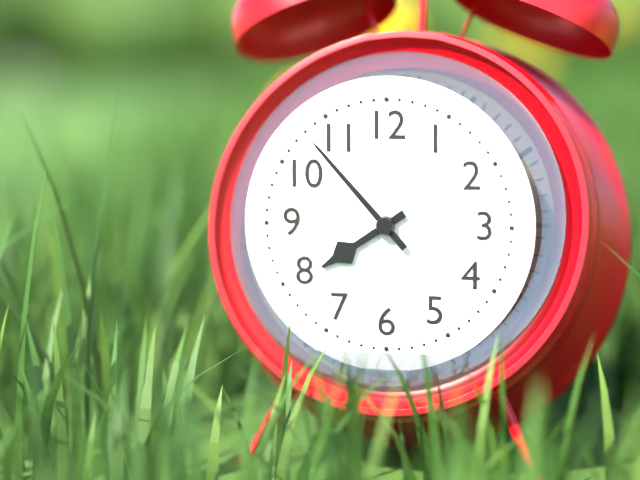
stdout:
7:53
